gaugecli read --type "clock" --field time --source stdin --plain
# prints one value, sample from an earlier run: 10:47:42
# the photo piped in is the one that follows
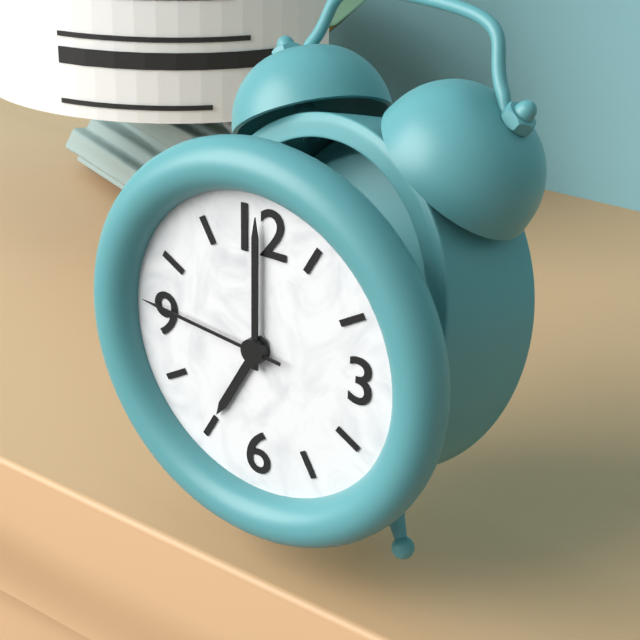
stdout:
7:00:46
